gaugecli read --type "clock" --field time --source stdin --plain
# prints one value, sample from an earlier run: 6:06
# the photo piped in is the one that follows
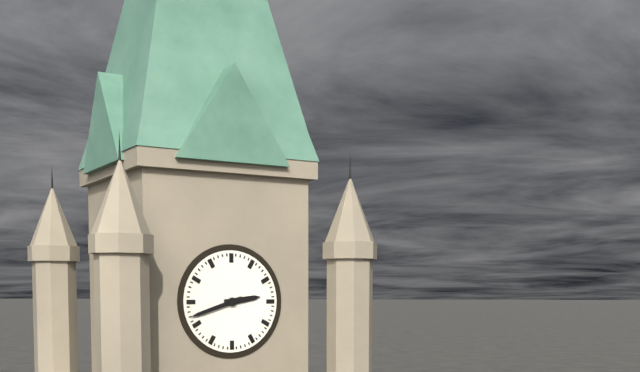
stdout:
2:42
